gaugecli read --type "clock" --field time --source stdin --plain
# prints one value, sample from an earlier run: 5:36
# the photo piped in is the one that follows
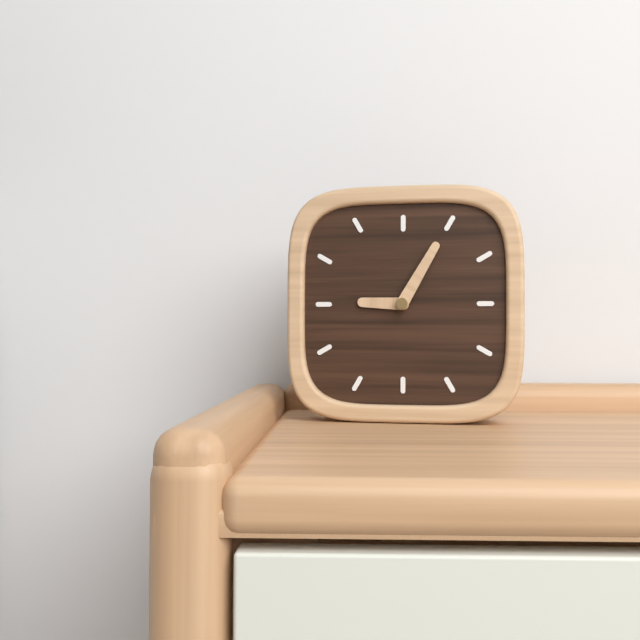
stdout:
9:05
